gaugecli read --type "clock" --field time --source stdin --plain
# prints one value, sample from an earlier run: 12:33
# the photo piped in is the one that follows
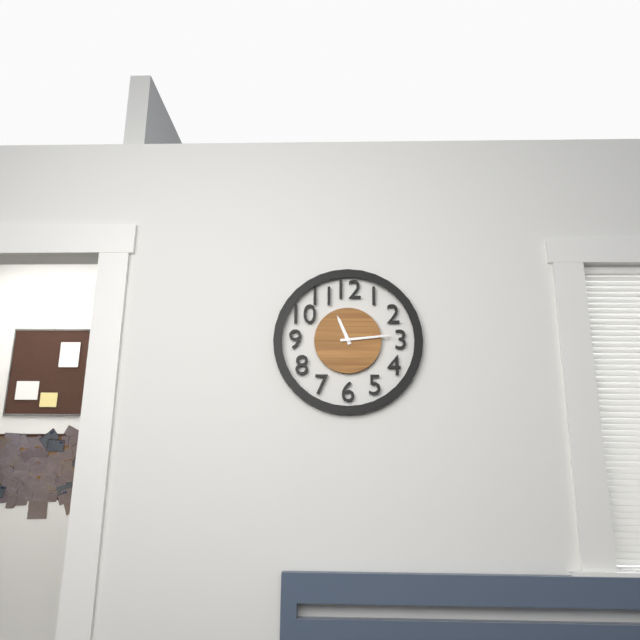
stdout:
11:14
